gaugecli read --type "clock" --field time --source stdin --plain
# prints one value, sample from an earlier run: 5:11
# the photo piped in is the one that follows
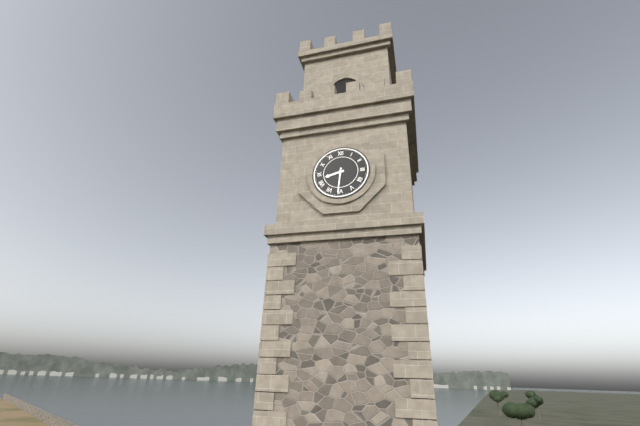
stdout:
8:31
